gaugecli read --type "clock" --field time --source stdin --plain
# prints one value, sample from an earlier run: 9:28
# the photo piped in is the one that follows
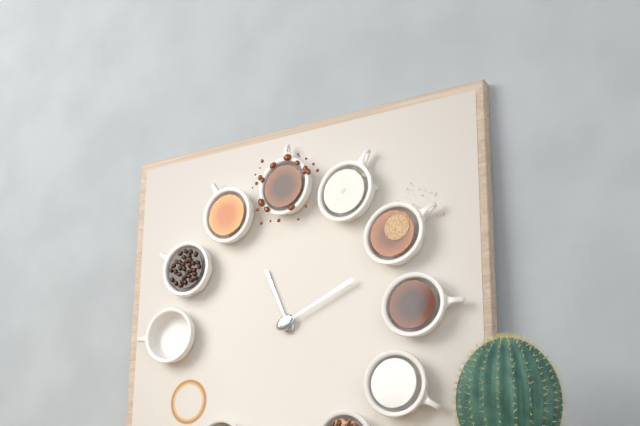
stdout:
11:11
